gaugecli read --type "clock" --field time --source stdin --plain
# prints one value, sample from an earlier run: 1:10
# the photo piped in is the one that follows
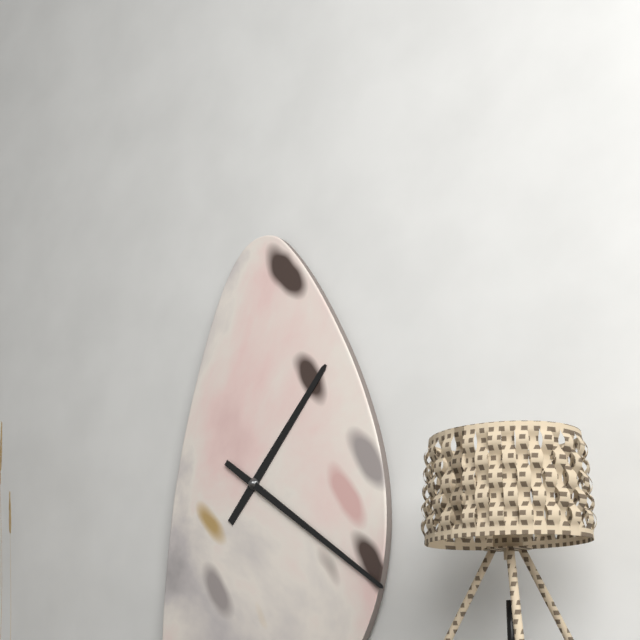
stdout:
1:21
